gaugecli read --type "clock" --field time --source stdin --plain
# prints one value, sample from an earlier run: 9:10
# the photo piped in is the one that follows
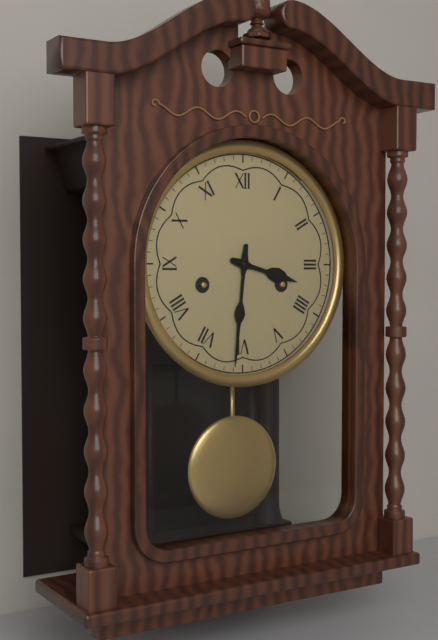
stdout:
3:31
